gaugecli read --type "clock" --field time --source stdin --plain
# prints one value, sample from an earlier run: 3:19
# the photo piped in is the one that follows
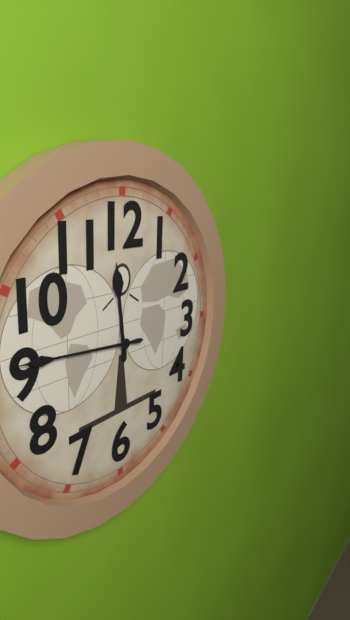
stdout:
11:46
